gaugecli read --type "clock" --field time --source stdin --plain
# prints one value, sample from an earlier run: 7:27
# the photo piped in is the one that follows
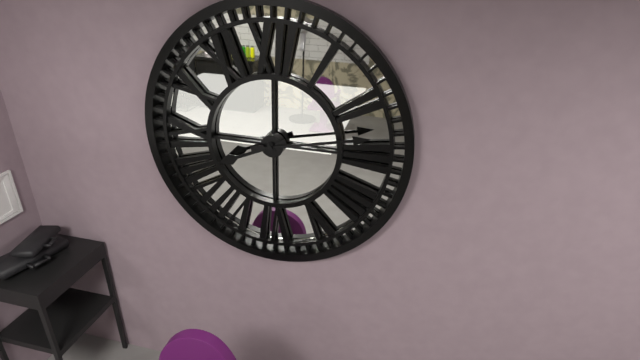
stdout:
8:13
